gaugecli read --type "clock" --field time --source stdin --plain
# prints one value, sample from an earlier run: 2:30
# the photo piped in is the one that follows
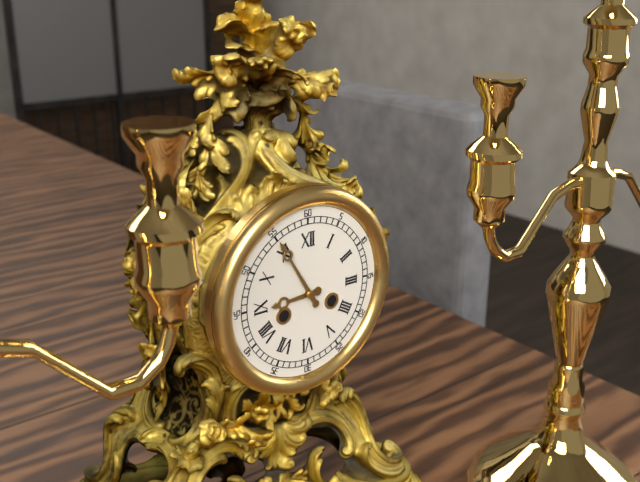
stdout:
8:55
